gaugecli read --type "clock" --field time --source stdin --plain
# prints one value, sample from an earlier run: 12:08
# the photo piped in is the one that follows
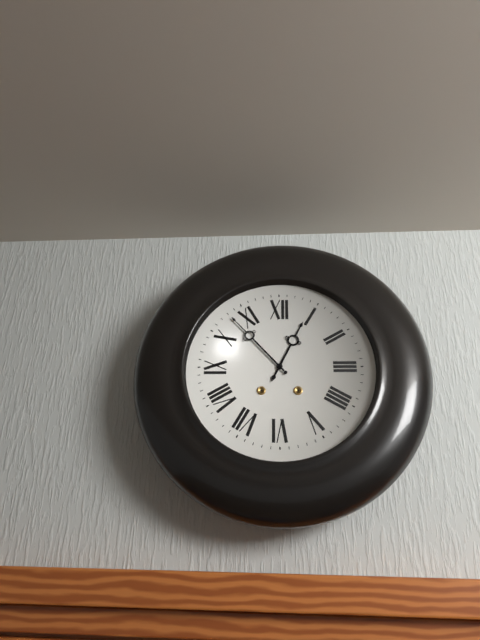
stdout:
12:53
